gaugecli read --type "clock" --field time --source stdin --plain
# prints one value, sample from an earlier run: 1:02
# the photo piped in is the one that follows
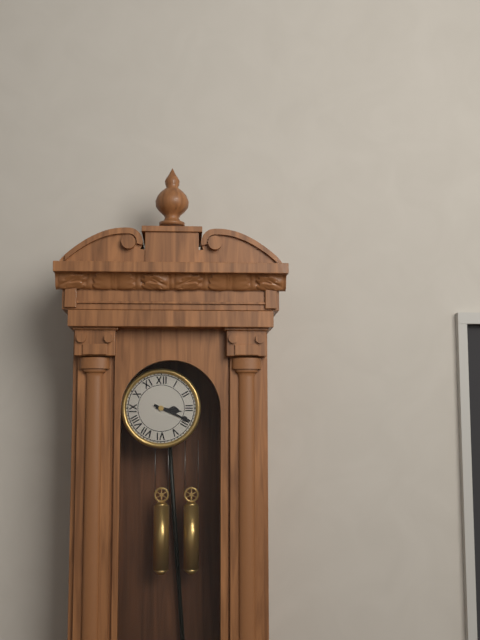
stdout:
3:19
